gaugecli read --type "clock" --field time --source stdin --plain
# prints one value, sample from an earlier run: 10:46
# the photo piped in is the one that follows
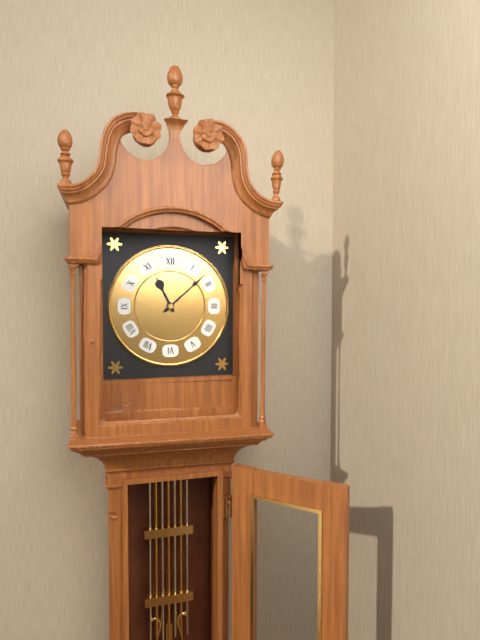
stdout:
11:08
